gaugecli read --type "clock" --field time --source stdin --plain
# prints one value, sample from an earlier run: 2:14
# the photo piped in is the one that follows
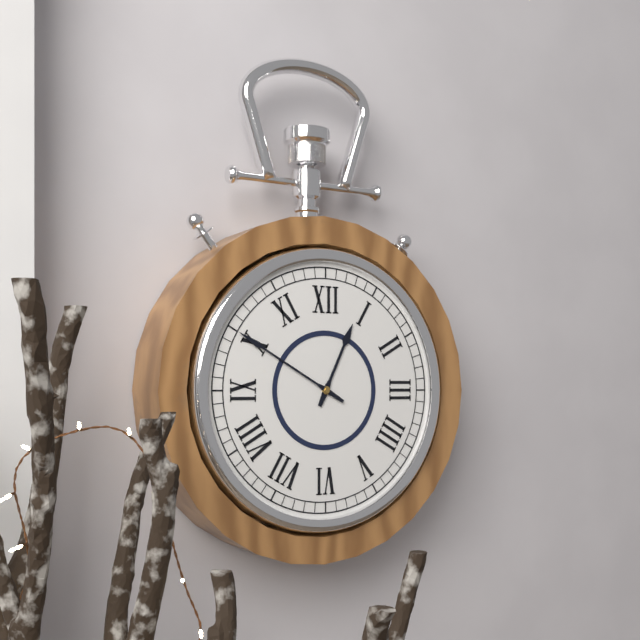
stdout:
12:50
